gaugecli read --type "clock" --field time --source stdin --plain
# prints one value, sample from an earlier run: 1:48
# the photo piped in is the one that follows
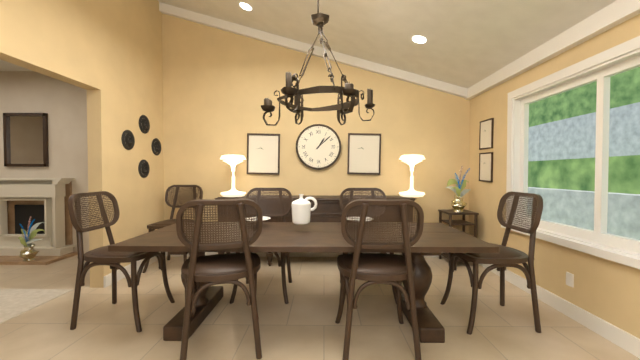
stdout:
1:08
